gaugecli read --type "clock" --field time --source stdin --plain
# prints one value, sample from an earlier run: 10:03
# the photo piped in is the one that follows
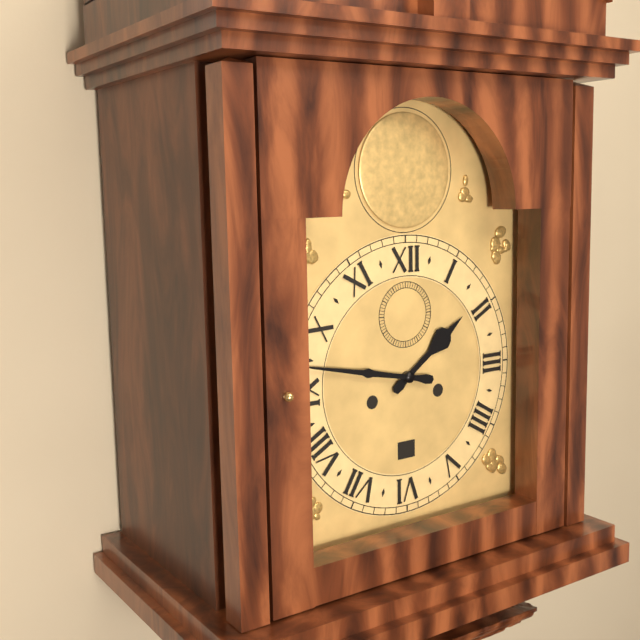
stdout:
1:47
